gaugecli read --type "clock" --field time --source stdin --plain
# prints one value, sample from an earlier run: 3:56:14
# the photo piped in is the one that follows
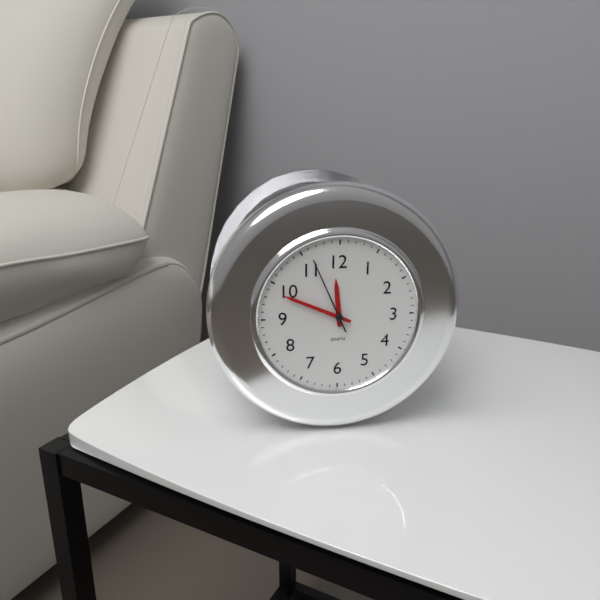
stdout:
11:49:56
